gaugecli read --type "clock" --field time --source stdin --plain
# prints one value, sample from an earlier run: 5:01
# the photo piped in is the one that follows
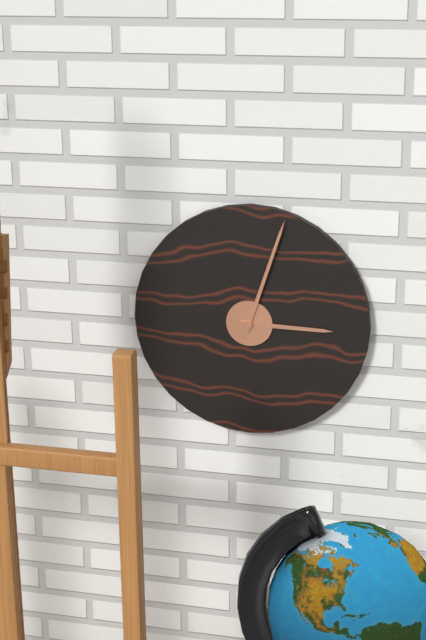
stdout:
3:03
